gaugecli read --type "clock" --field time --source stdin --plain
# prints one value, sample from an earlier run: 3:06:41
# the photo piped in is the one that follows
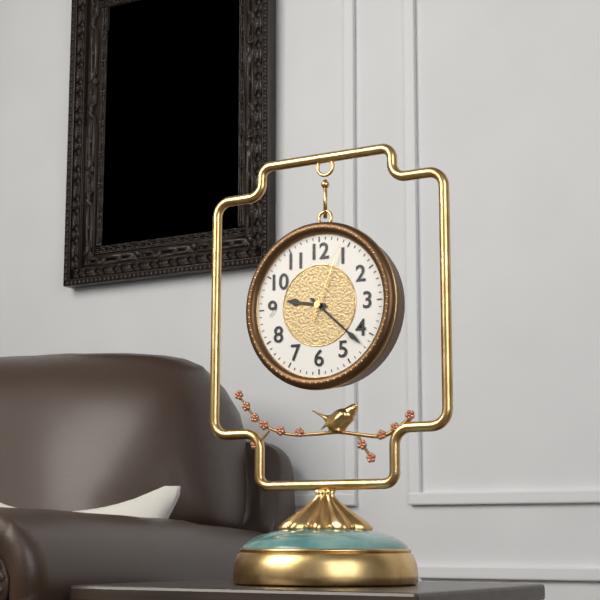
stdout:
9:22:04
